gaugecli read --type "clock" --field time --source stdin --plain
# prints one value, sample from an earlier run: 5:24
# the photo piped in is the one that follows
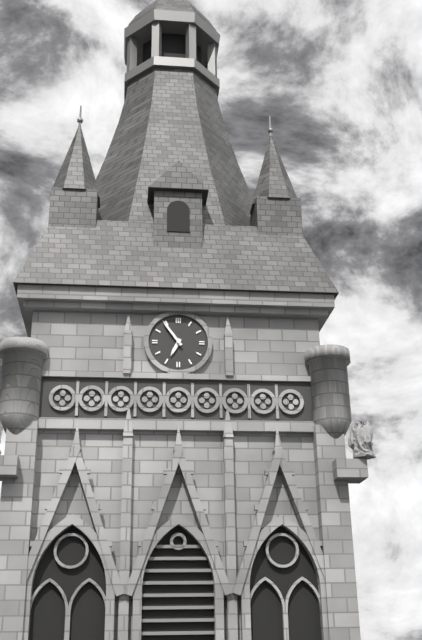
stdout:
6:54
